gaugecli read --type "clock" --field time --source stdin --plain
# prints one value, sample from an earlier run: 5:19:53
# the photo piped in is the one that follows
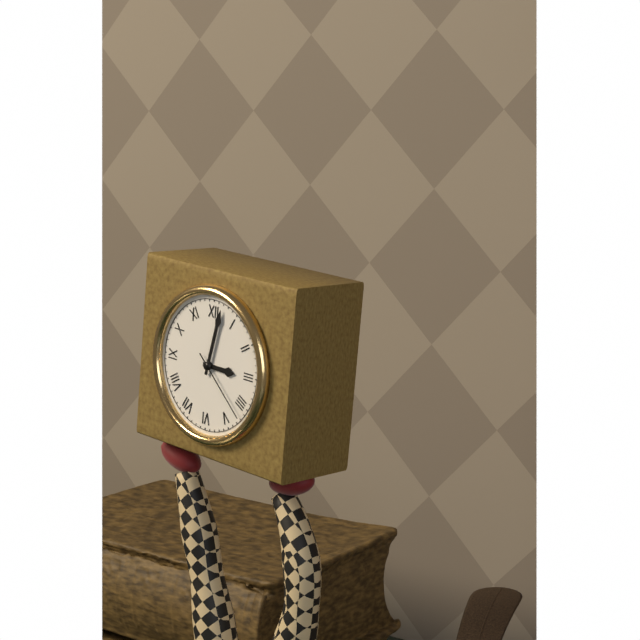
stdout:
3:02:22
